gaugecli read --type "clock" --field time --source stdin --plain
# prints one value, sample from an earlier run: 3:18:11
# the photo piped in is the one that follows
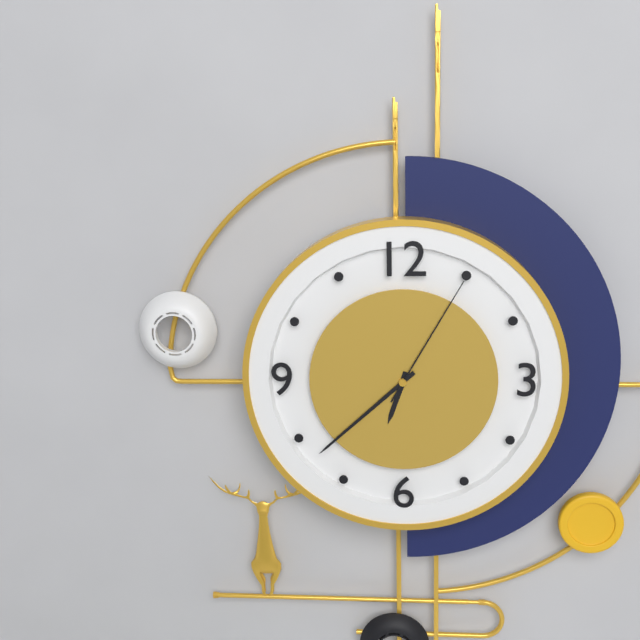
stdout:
6:38:05
